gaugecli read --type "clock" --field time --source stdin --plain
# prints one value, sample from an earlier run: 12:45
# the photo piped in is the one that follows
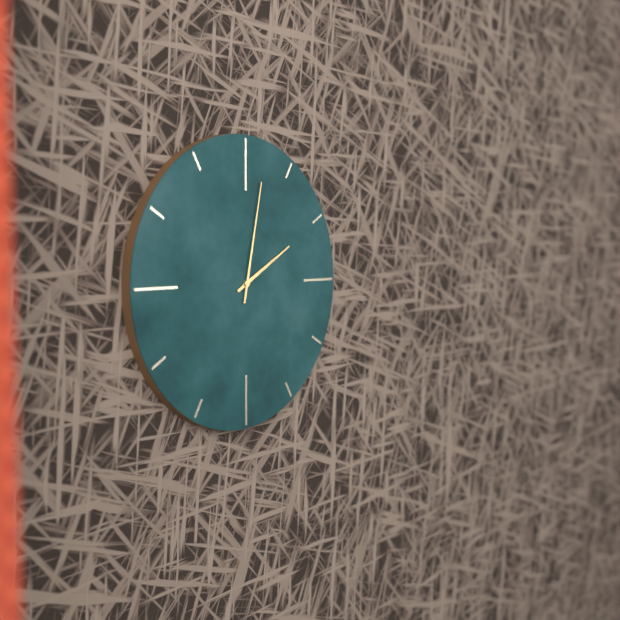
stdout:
2:02
